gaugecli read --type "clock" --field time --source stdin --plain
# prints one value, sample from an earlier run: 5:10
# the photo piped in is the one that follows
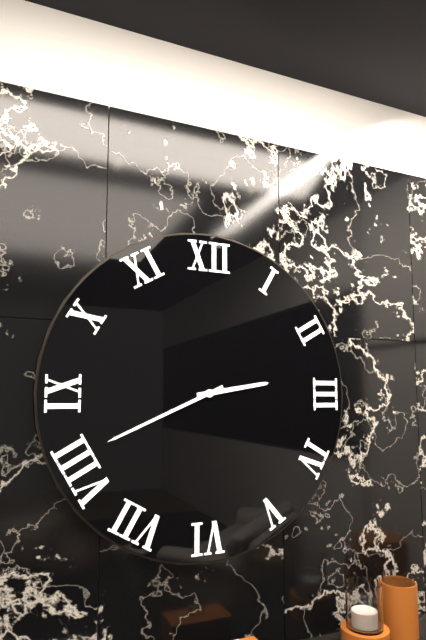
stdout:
2:41
